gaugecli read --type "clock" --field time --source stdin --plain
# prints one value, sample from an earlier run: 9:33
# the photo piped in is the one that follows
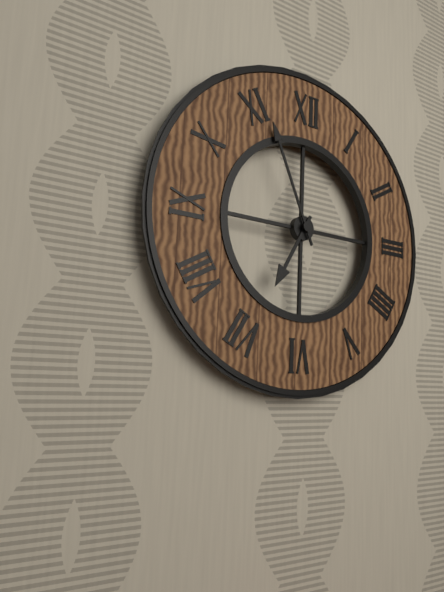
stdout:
6:56
